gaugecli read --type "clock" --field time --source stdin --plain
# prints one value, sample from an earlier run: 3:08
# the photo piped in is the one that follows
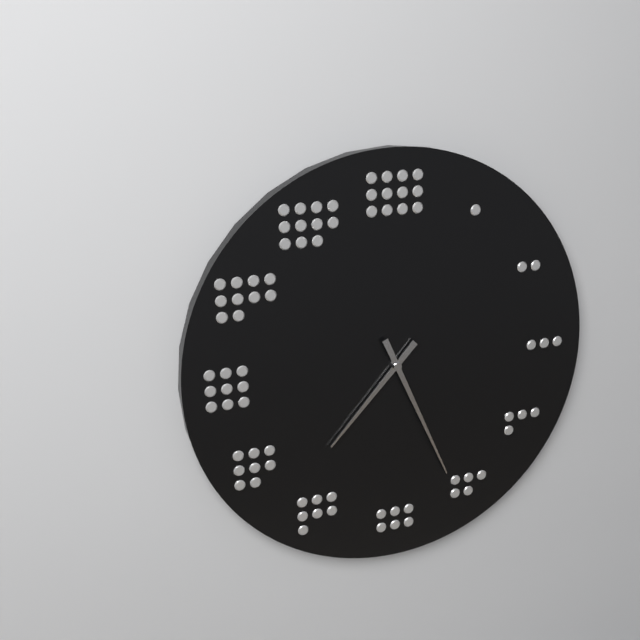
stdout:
7:26
